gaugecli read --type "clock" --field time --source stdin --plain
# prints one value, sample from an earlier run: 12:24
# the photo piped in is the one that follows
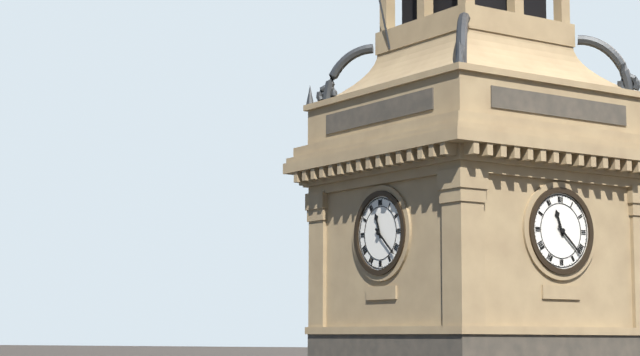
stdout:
11:22
